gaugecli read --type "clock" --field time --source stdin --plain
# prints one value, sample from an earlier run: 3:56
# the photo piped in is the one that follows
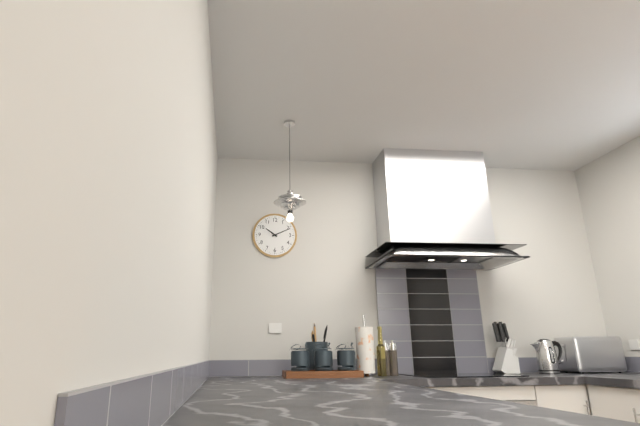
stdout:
10:11
